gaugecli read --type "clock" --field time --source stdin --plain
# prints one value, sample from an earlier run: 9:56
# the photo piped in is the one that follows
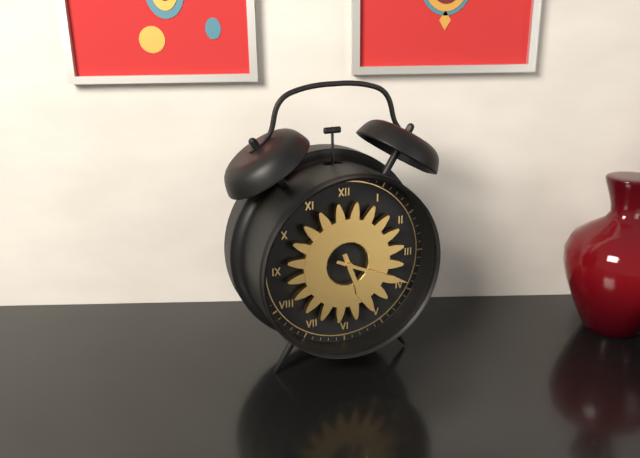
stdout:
5:19
